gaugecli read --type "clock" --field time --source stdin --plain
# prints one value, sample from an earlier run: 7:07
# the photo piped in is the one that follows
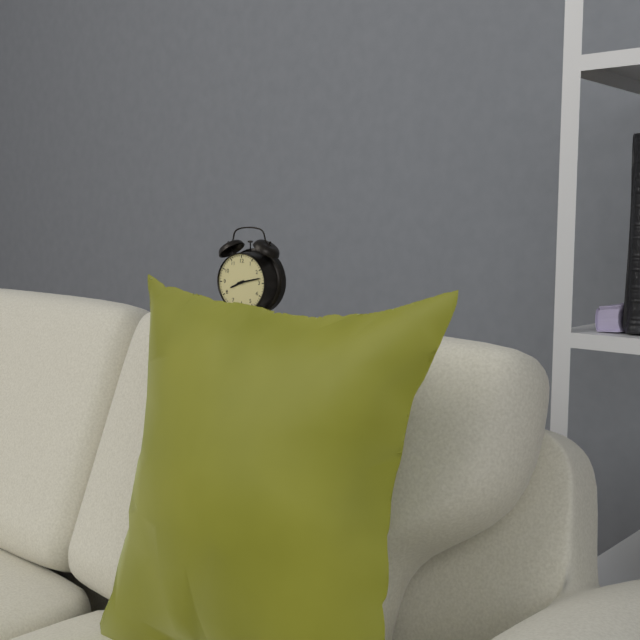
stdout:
8:13
